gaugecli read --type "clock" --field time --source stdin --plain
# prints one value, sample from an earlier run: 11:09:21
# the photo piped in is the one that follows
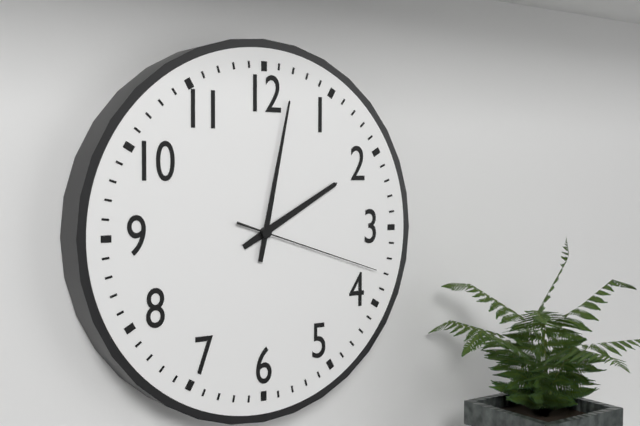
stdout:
2:02:18
